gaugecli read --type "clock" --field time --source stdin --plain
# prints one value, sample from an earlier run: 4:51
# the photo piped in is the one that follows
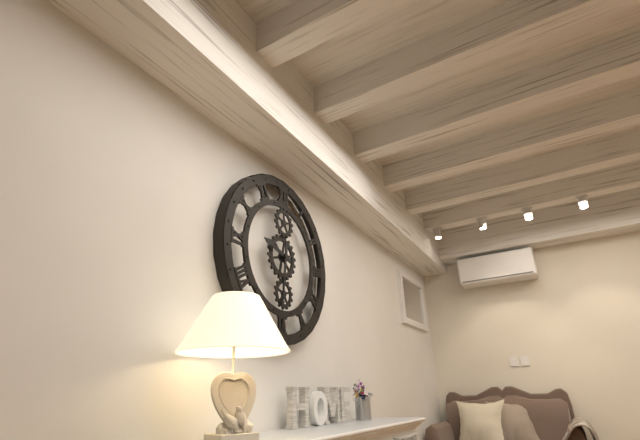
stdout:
9:31
